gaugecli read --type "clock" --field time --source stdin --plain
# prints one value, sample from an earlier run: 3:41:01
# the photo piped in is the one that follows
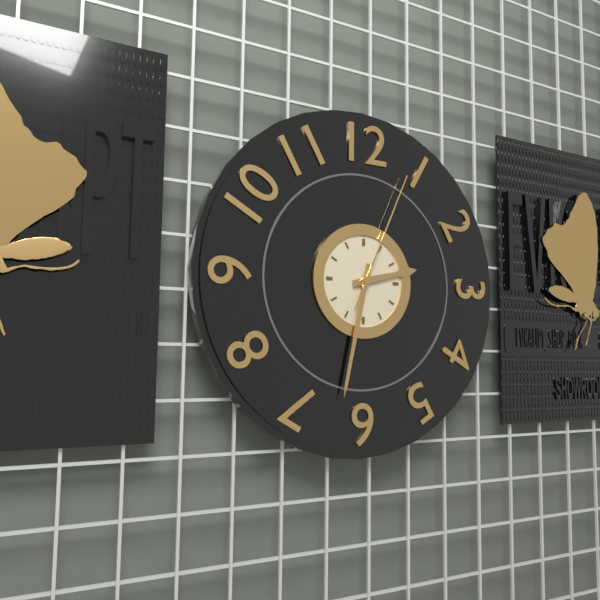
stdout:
2:32:04
